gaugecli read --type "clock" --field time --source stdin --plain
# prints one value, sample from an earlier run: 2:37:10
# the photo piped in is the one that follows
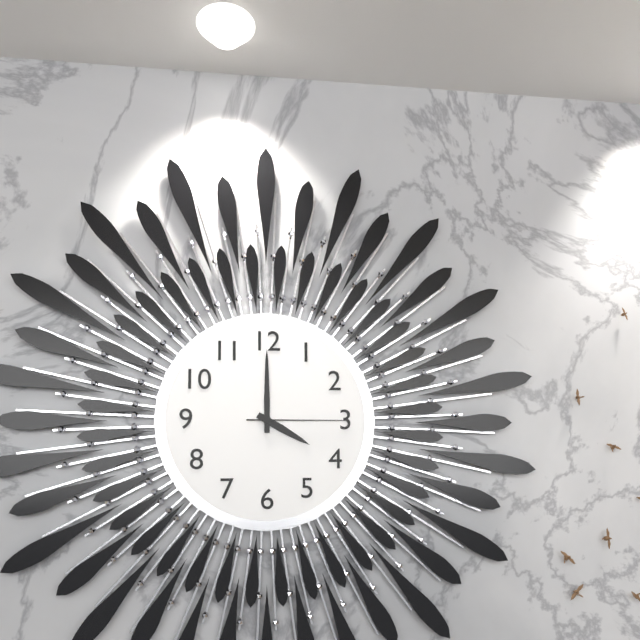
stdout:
4:00:15
